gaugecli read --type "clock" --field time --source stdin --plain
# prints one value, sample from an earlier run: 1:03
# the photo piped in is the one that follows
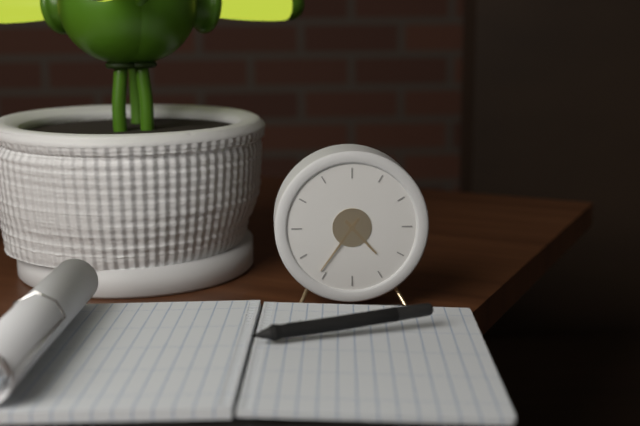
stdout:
4:36
